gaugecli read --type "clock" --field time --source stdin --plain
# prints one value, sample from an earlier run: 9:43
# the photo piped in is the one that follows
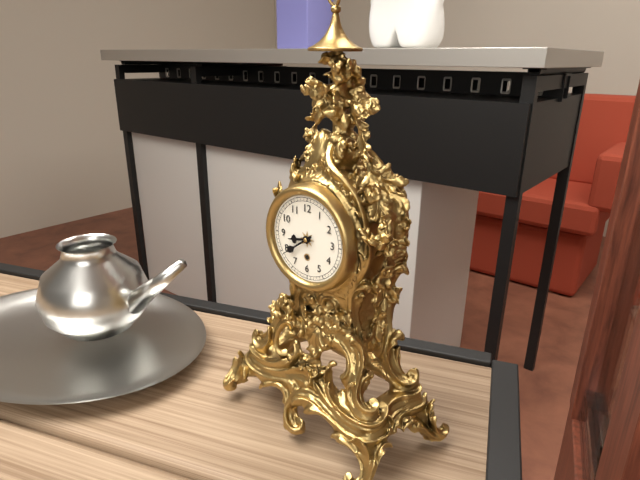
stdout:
8:39
